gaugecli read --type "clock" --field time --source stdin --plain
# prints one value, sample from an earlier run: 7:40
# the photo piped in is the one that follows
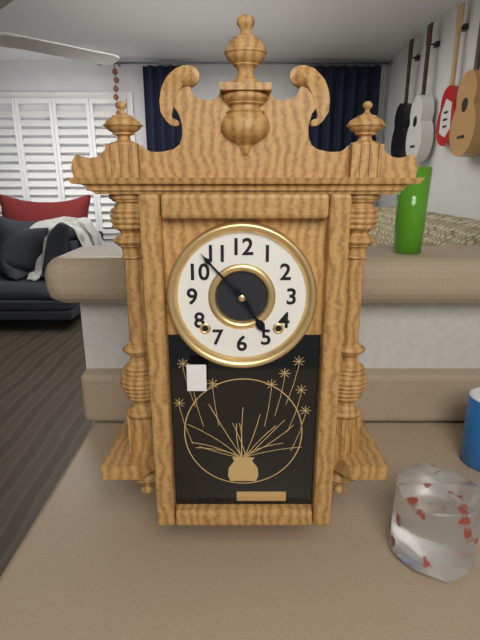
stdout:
4:53
